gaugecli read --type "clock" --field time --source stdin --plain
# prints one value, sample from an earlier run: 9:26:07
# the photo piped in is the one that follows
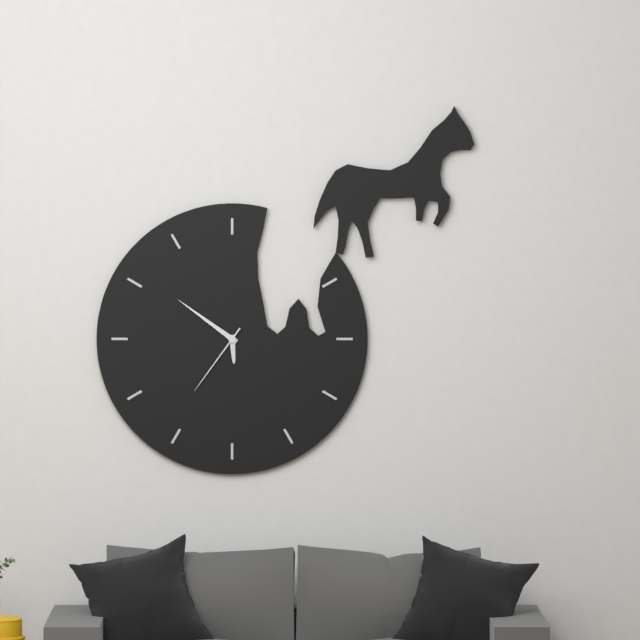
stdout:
5:51:36
